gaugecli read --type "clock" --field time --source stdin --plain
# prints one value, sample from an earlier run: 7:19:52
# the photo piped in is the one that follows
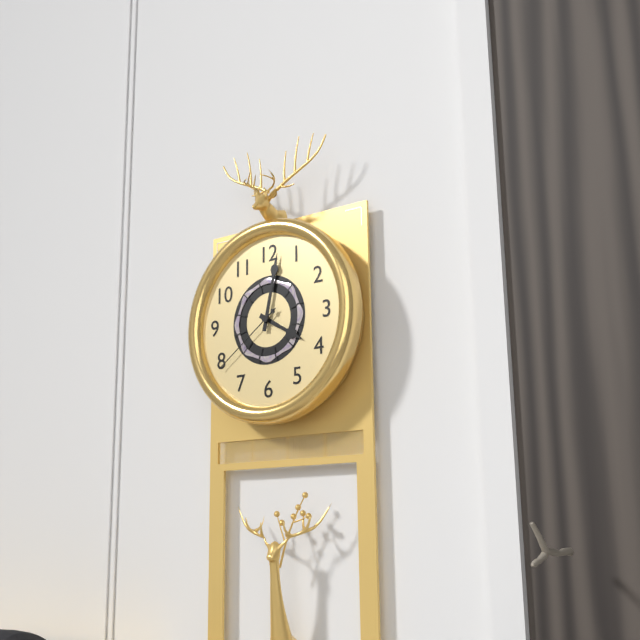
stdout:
4:02:39
